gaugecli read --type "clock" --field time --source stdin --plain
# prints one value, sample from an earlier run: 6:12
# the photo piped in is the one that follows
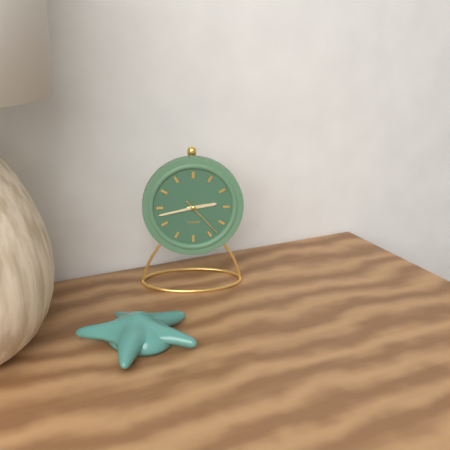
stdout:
2:43
